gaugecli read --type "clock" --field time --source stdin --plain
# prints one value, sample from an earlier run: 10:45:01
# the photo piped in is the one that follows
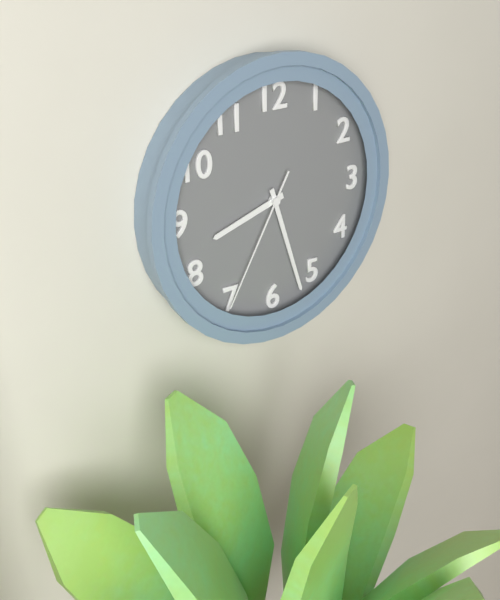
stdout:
8:27:35
